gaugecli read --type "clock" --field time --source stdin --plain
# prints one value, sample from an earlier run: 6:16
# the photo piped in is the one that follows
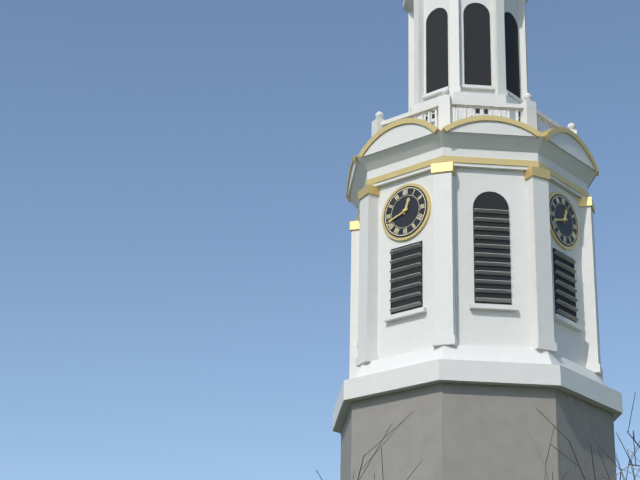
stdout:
12:42
